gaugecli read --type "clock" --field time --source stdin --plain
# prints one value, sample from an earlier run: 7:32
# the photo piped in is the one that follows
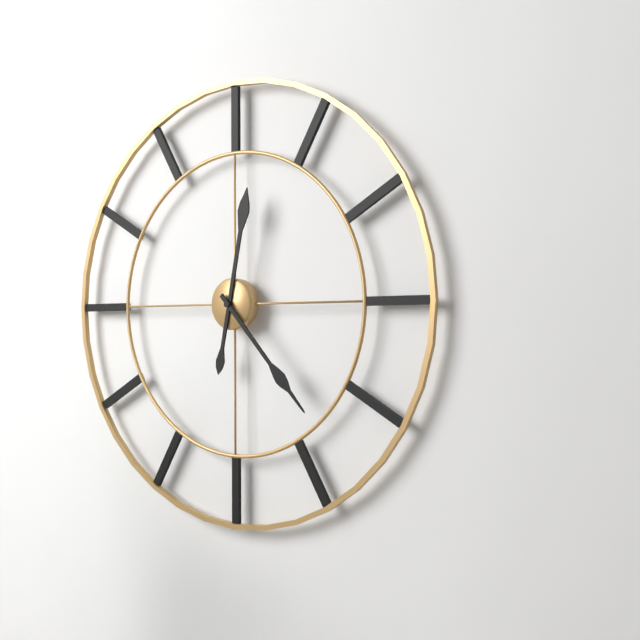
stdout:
12:23
